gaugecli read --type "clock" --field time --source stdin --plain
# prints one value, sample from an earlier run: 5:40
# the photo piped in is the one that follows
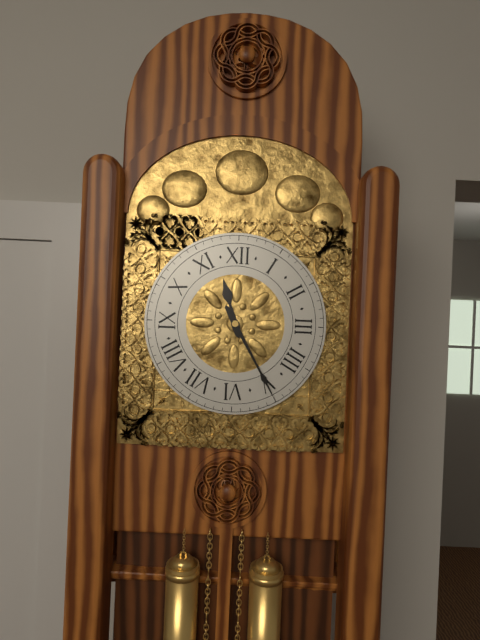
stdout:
11:25
